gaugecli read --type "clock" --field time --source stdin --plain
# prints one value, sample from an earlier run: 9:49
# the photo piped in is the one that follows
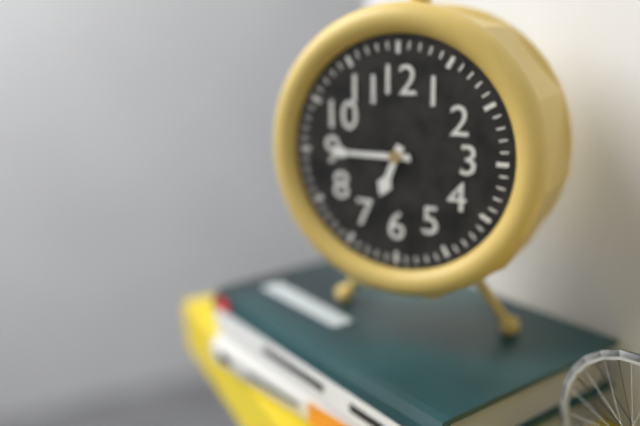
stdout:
6:45
